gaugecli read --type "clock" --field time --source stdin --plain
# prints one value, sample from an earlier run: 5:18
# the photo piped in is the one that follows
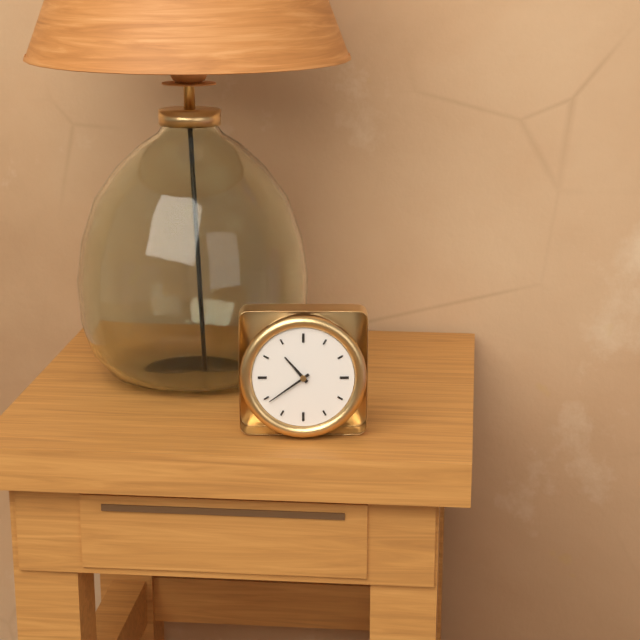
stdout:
10:39
